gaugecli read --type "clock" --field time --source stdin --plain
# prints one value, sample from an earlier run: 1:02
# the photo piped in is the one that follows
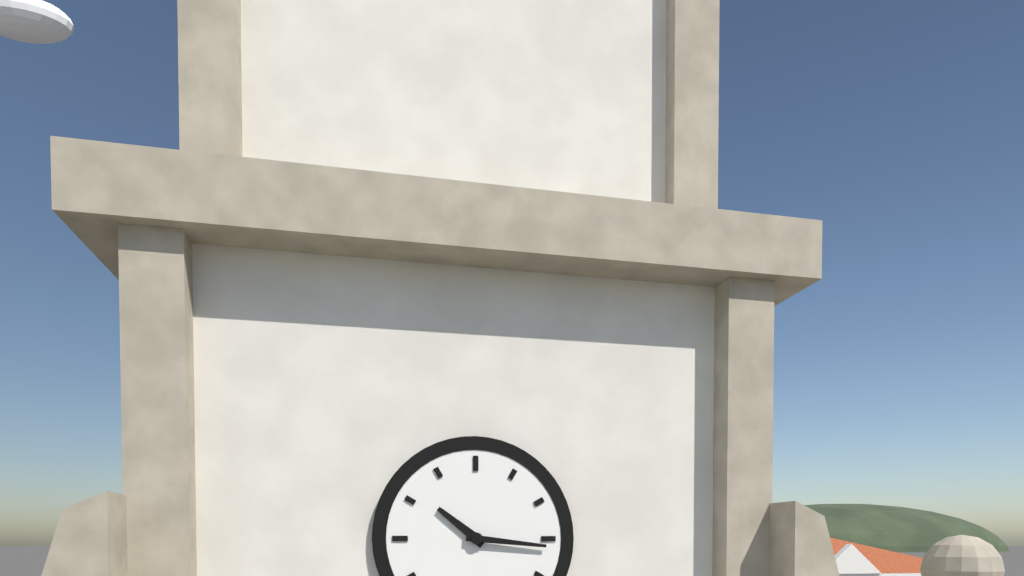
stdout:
10:16
